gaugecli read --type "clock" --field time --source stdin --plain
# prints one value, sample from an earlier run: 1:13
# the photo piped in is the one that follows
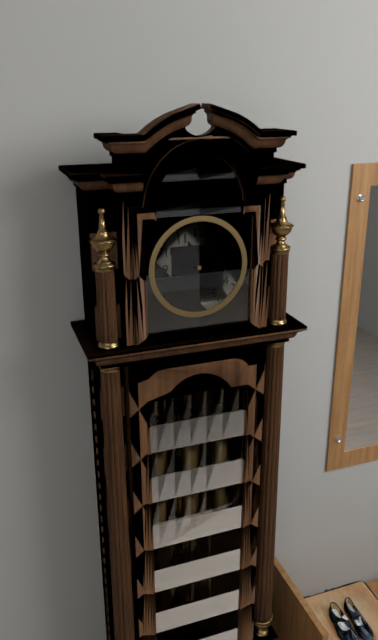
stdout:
11:16
